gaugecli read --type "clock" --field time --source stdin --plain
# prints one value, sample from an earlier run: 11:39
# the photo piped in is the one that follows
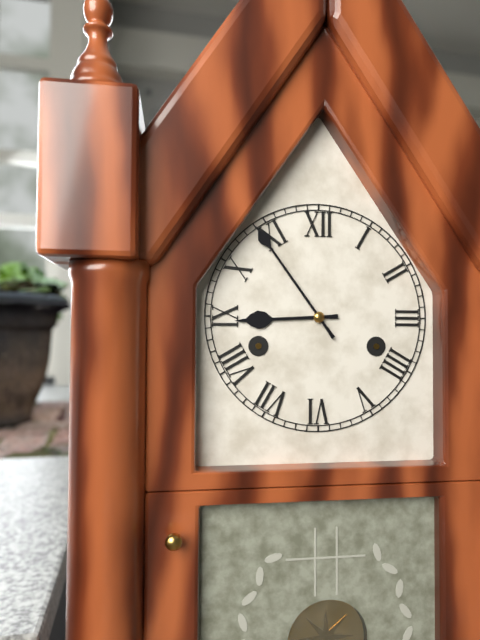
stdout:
8:54
